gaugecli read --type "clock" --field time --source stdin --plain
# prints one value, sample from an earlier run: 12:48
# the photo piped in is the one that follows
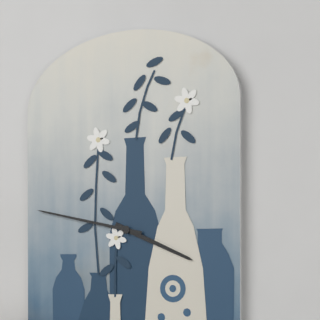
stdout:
3:47
